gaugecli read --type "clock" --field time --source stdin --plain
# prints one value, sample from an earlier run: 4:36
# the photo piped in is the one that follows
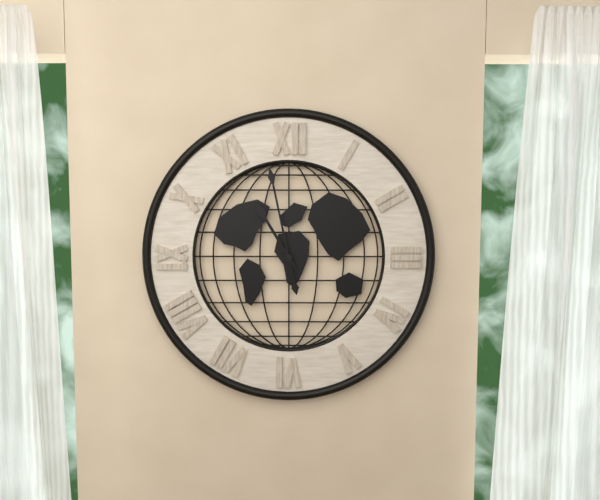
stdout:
10:58
